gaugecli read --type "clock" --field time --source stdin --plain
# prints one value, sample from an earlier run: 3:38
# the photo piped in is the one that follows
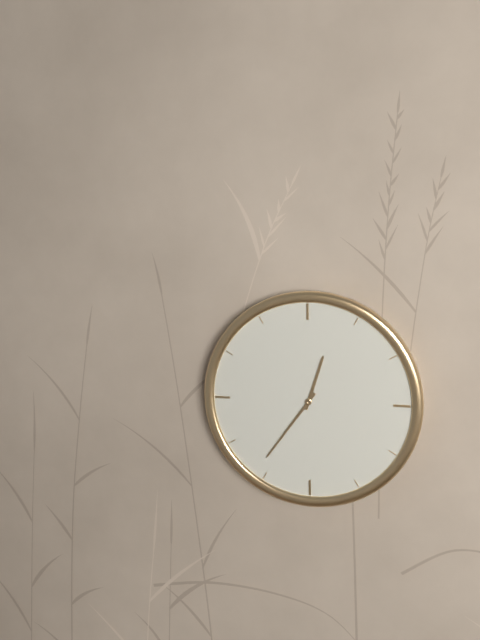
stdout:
12:36
